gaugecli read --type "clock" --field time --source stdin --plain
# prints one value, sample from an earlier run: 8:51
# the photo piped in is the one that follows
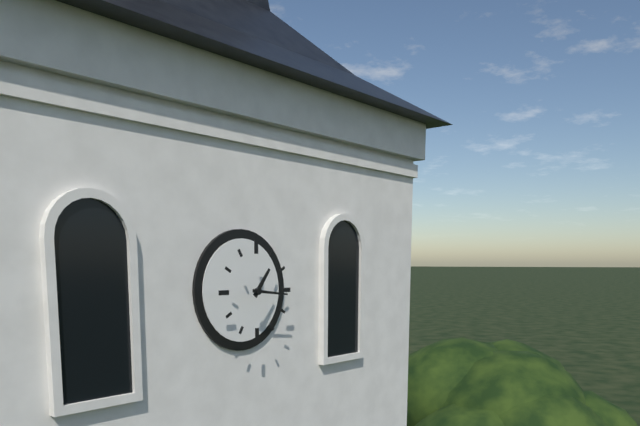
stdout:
1:16
